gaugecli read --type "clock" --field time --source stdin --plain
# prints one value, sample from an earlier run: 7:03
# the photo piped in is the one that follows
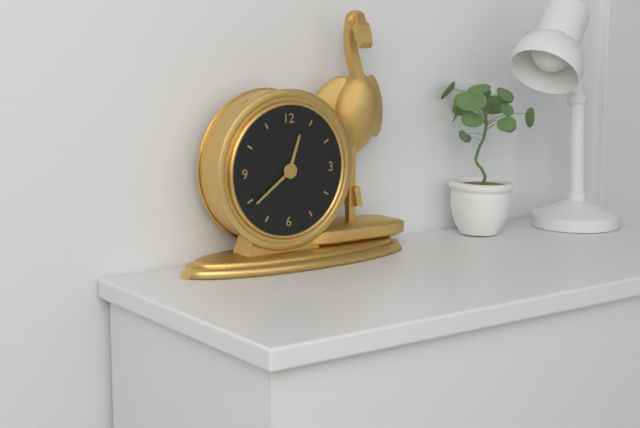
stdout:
12:39
